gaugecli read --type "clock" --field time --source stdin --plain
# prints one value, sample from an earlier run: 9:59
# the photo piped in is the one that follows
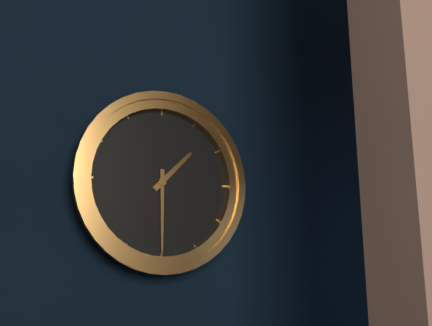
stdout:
1:30
